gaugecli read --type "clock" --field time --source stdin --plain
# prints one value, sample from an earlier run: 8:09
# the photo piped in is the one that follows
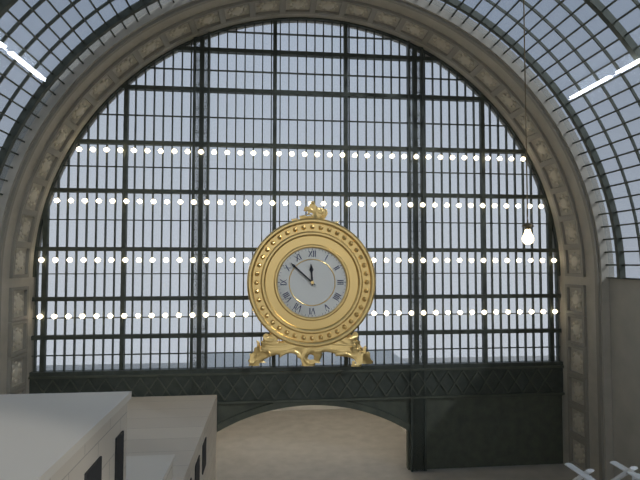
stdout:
11:52
